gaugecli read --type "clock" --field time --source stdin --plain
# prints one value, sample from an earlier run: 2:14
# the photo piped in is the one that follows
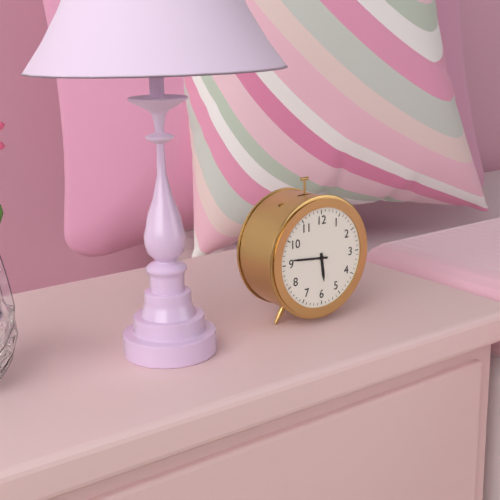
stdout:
5:46
